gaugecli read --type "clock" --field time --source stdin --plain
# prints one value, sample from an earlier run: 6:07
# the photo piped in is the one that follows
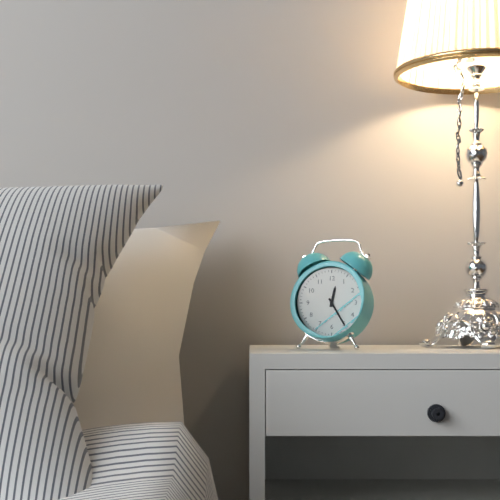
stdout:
12:25
